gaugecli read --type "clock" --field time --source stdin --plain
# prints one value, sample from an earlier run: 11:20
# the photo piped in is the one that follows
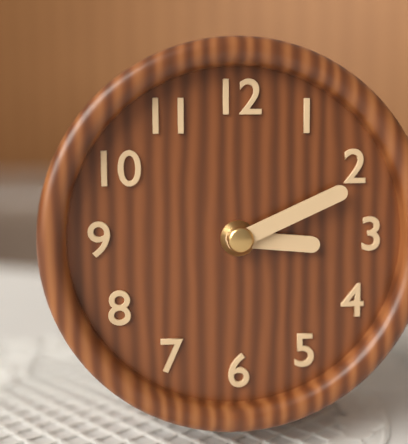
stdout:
3:11
